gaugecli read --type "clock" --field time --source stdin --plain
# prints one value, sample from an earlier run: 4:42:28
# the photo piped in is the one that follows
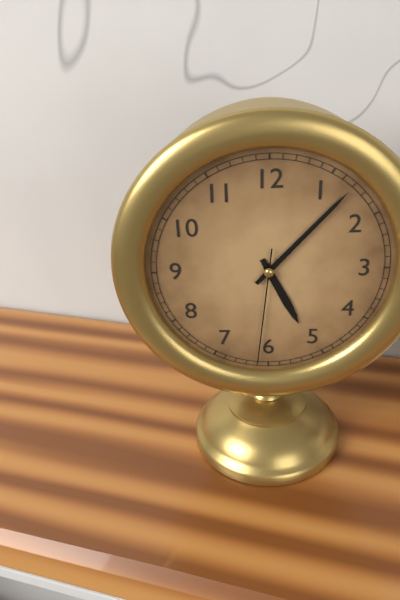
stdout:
5:07:31
